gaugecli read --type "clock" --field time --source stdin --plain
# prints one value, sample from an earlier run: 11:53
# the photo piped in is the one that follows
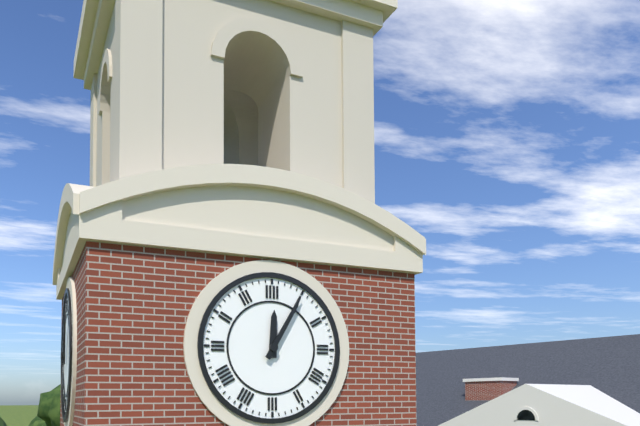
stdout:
12:05
